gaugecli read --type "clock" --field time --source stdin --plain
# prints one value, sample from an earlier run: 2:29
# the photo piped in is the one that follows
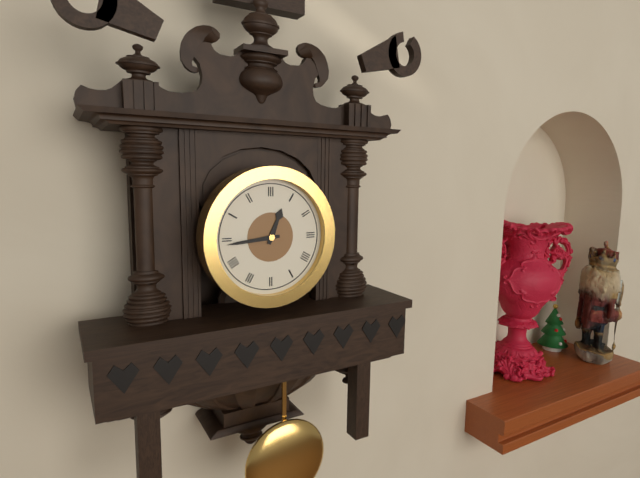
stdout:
12:44
